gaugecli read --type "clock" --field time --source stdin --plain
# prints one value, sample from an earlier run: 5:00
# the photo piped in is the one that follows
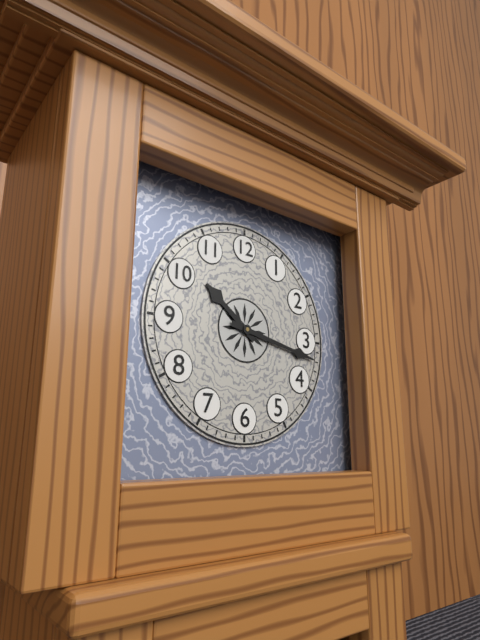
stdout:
10:17
